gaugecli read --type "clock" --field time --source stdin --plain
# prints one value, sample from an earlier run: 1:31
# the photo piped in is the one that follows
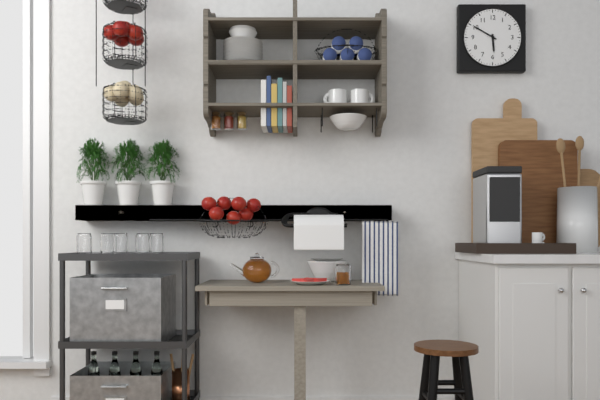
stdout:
5:50
